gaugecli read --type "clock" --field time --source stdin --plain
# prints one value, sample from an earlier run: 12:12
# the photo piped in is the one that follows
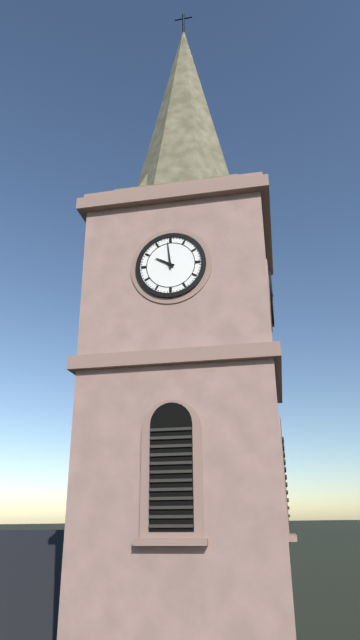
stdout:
9:59
